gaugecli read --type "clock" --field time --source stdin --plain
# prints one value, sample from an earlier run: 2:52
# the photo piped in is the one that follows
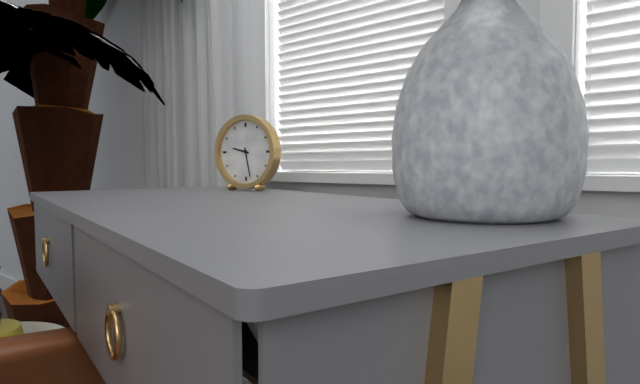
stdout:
9:28
